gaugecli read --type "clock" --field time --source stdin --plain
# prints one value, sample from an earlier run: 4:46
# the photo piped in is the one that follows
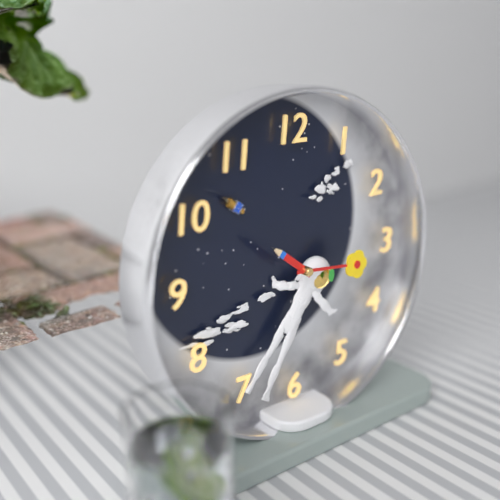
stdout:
10:16
